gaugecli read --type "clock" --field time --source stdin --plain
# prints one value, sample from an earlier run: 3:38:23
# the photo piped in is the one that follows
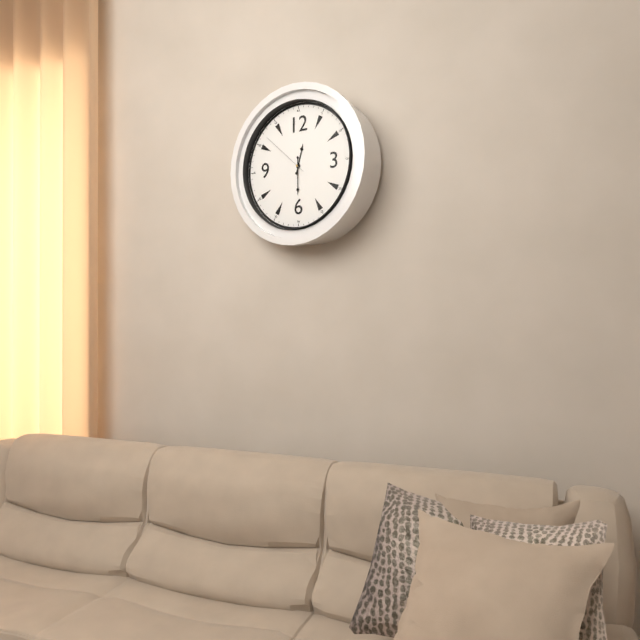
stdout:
12:30:52
